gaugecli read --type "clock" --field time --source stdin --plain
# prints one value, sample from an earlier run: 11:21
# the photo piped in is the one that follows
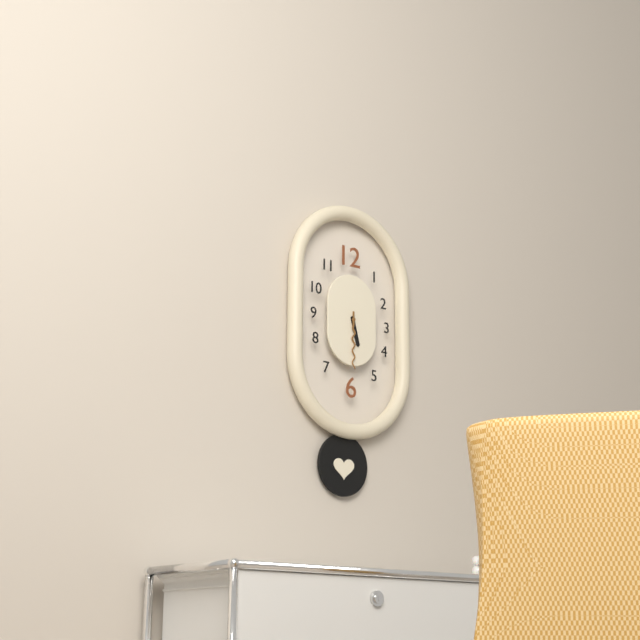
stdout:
5:30
